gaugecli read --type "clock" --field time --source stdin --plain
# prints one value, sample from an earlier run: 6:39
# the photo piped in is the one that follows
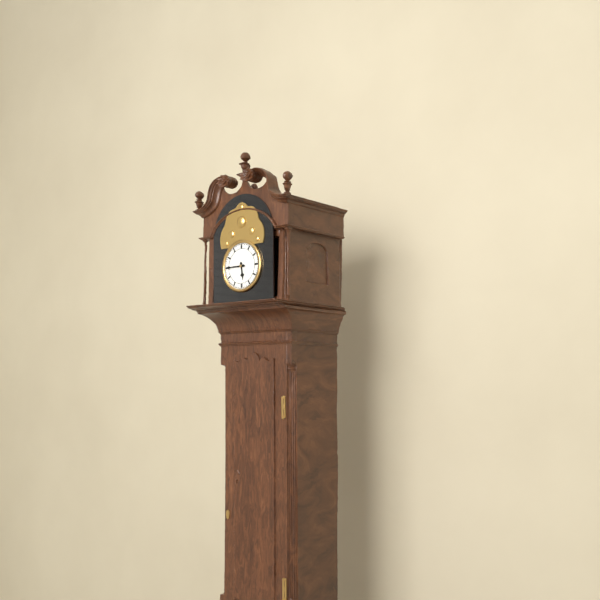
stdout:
5:45
